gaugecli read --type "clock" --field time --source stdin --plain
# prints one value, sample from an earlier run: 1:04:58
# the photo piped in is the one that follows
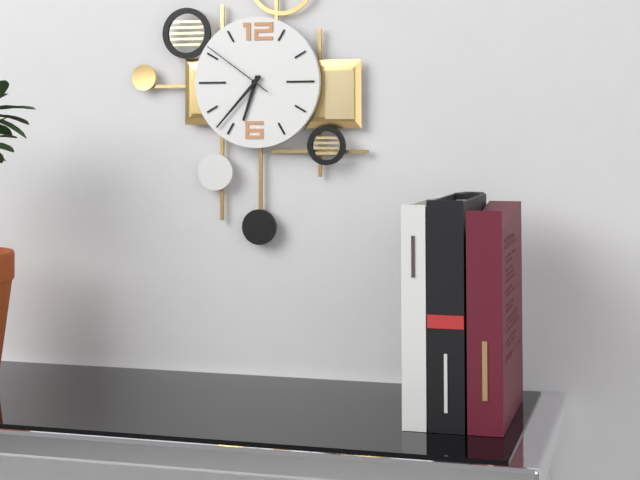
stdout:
6:37:51
